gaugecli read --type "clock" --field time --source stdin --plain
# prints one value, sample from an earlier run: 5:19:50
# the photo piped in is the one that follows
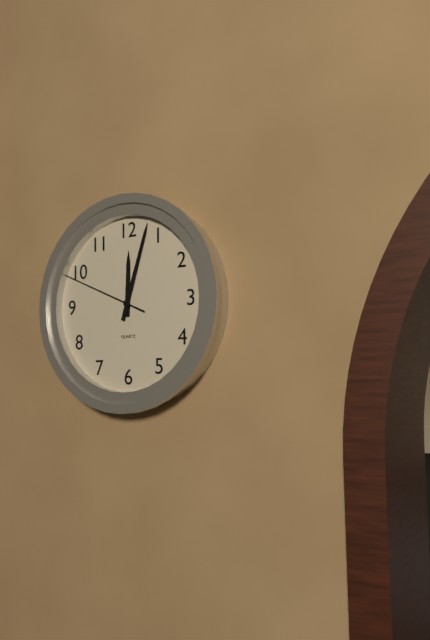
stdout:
12:03:49
